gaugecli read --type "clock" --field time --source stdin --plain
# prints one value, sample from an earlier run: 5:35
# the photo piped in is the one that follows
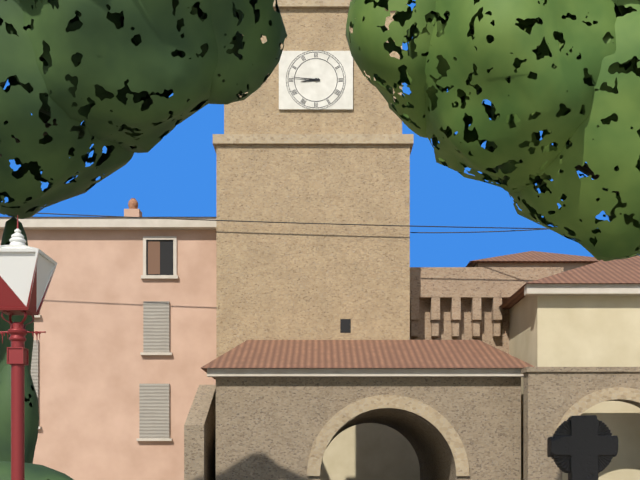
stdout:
8:46
